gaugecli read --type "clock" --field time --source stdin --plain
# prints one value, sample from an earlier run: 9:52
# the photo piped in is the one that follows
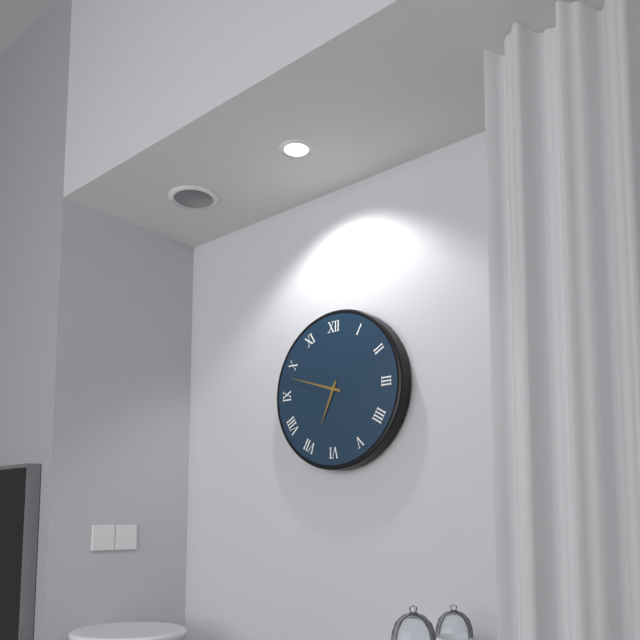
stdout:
6:48
